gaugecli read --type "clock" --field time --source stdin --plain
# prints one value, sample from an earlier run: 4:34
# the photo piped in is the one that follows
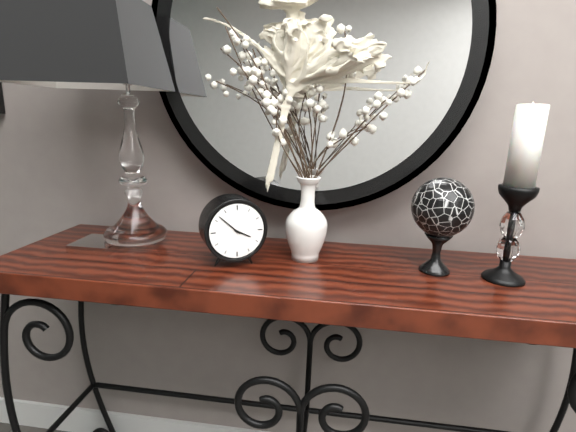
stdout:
3:52
